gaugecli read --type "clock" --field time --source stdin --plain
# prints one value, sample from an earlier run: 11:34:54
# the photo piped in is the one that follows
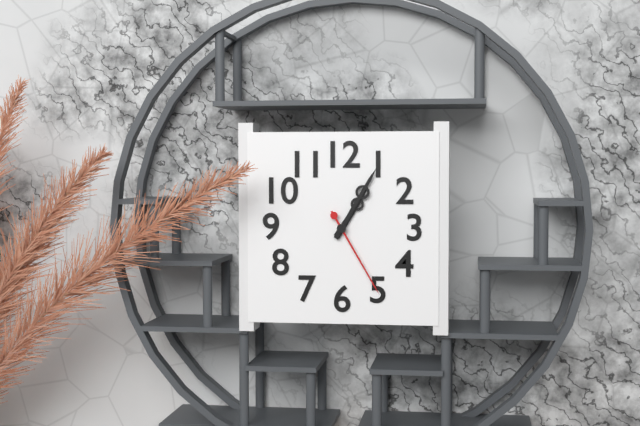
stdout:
1:05:25
